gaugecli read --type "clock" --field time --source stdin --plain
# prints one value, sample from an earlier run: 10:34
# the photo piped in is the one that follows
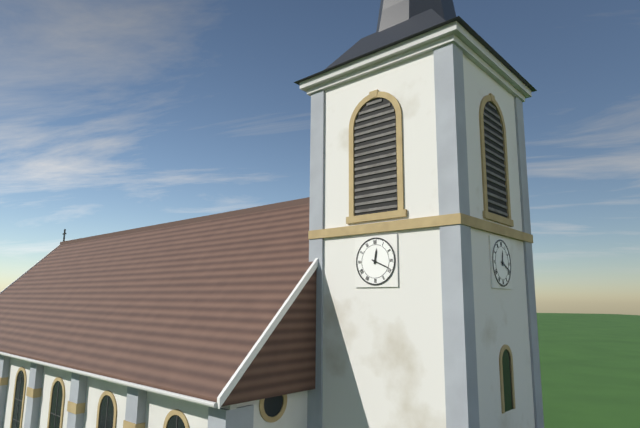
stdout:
12:19
